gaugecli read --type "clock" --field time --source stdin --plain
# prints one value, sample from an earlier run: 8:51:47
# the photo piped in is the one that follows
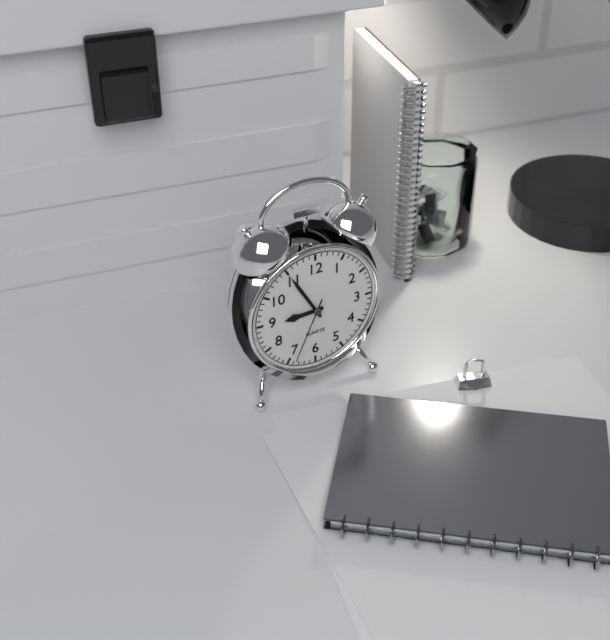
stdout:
8:55:34
